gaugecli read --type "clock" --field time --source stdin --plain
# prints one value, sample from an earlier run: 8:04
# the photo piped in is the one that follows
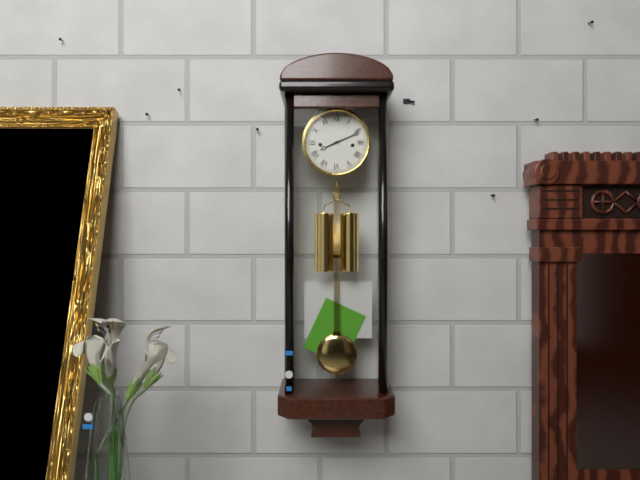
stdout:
8:11
